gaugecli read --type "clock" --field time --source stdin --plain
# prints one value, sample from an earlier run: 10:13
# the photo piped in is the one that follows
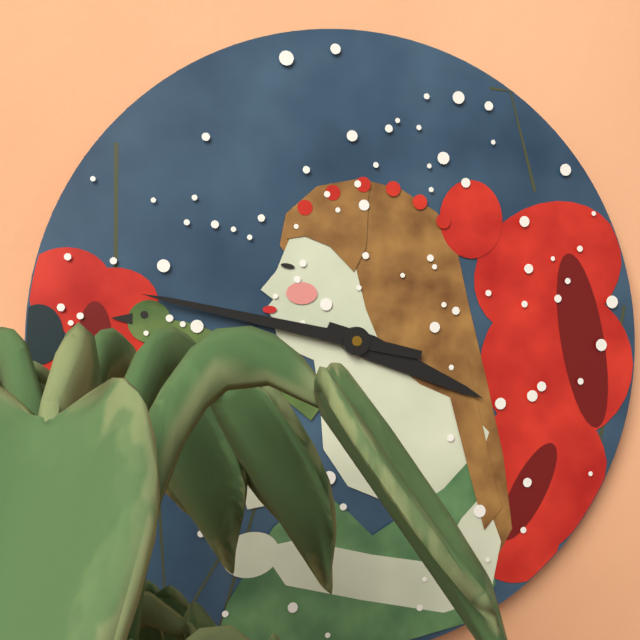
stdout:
3:47
